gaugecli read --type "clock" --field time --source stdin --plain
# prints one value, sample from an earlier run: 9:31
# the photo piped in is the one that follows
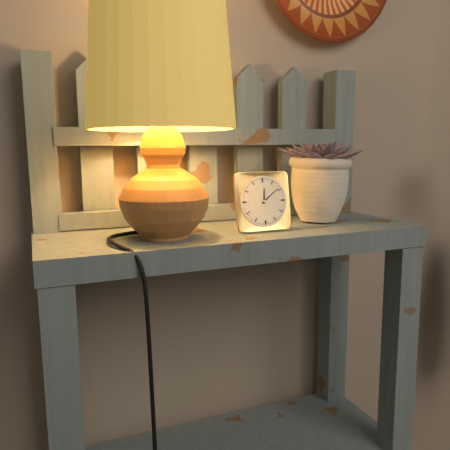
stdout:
12:09
